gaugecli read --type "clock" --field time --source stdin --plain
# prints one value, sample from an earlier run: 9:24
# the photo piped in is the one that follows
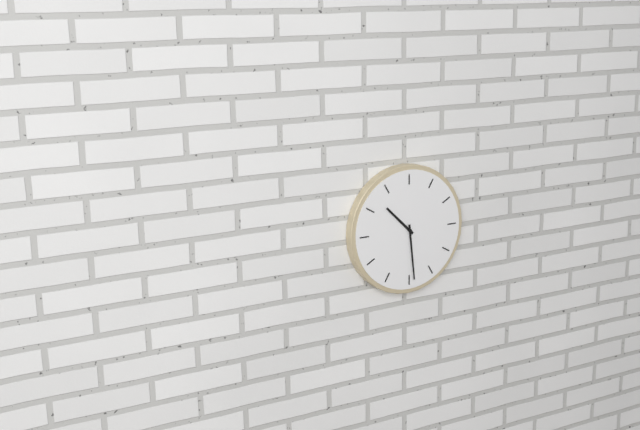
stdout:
10:29
